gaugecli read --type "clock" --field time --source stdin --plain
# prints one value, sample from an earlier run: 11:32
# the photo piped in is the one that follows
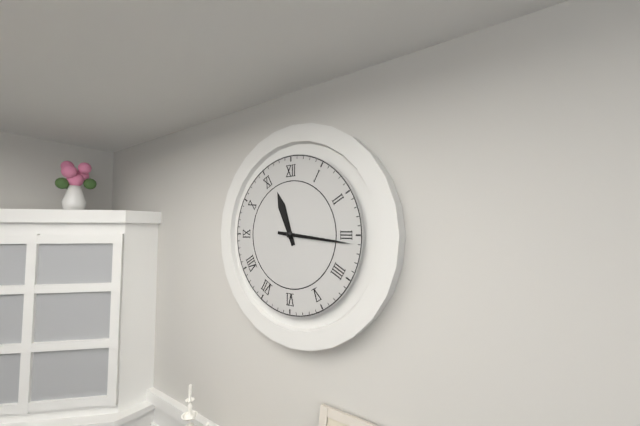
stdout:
11:16
